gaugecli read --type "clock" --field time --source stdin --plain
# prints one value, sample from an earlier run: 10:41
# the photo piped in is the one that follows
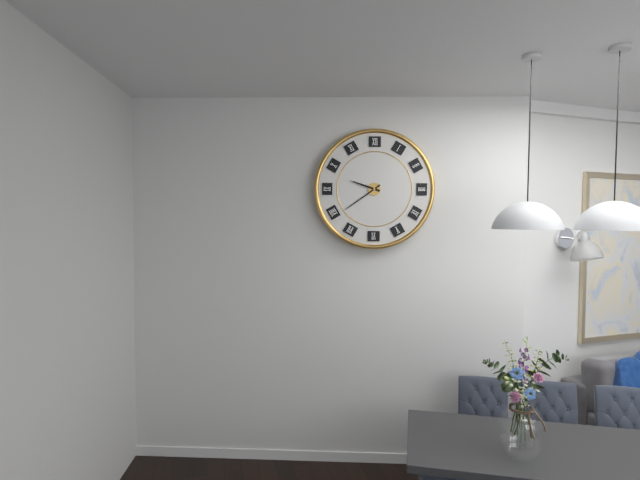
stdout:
9:39
